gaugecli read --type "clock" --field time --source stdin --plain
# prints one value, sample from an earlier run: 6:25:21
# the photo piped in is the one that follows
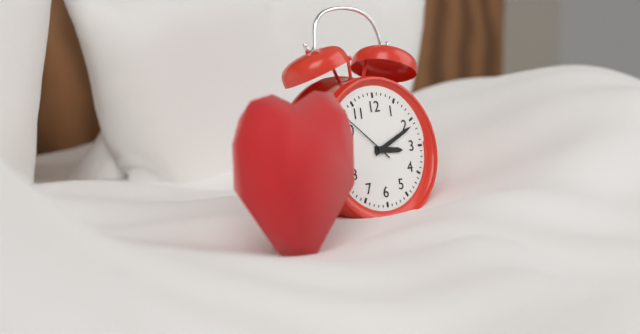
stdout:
3:11:52
